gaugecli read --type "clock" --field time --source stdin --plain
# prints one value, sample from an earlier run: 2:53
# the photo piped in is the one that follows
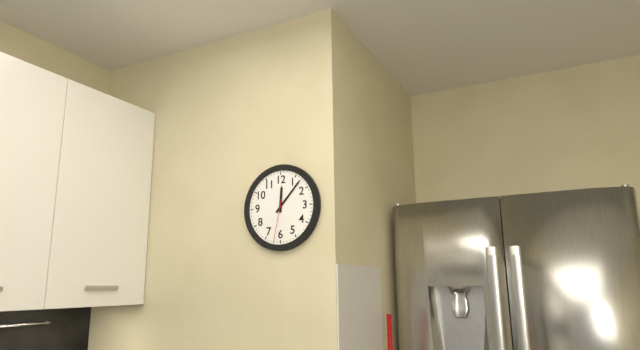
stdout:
12:07
